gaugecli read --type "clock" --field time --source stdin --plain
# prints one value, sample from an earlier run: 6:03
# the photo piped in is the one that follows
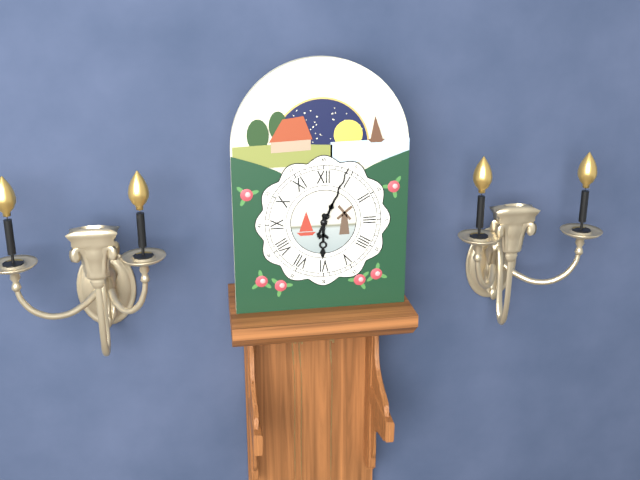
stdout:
6:04
